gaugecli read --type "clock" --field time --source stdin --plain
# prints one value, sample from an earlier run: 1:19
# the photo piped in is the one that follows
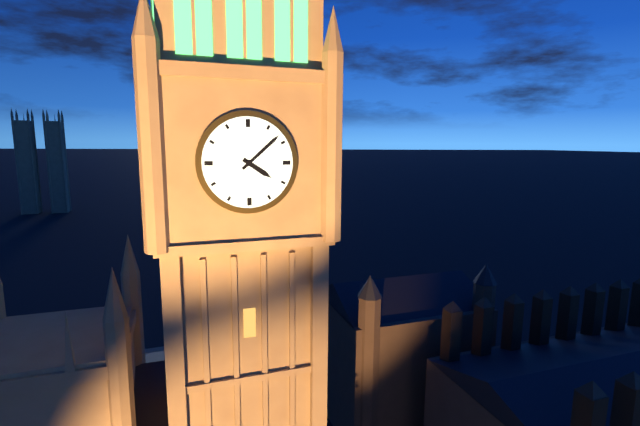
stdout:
4:08
